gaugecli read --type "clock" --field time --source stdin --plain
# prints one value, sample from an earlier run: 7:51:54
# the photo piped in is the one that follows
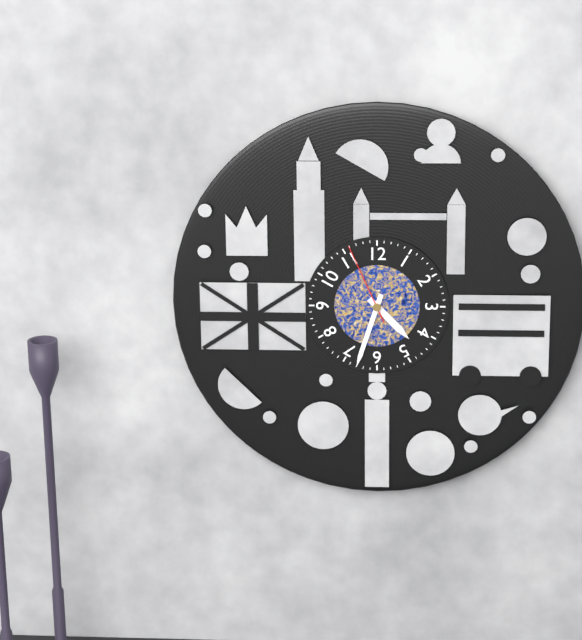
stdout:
4:33:56
